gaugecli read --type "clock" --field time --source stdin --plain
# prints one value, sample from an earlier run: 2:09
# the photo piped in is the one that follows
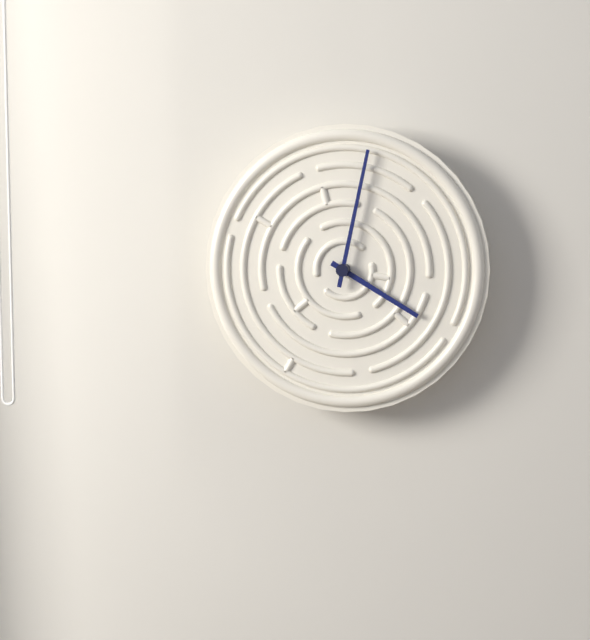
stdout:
4:02
